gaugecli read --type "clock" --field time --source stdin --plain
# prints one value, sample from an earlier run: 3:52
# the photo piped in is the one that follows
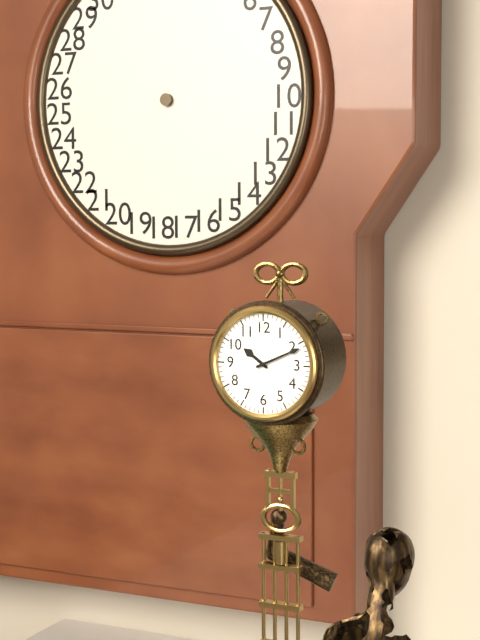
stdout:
10:11
